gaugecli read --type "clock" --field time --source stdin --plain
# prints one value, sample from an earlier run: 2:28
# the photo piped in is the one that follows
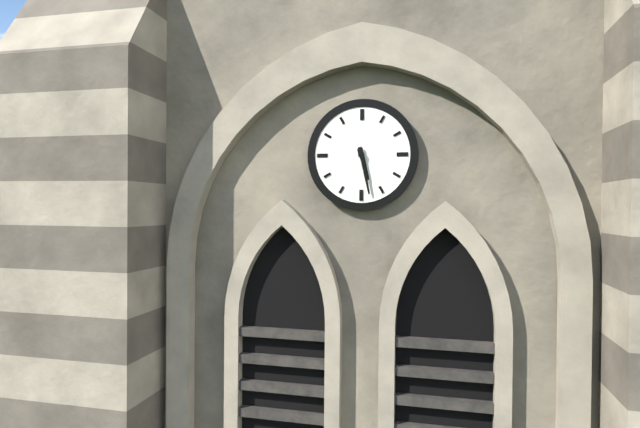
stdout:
5:28
